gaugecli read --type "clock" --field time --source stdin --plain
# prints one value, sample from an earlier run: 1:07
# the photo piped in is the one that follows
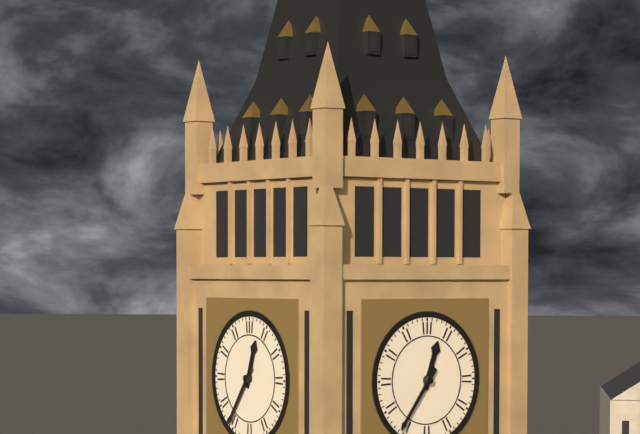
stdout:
12:36
